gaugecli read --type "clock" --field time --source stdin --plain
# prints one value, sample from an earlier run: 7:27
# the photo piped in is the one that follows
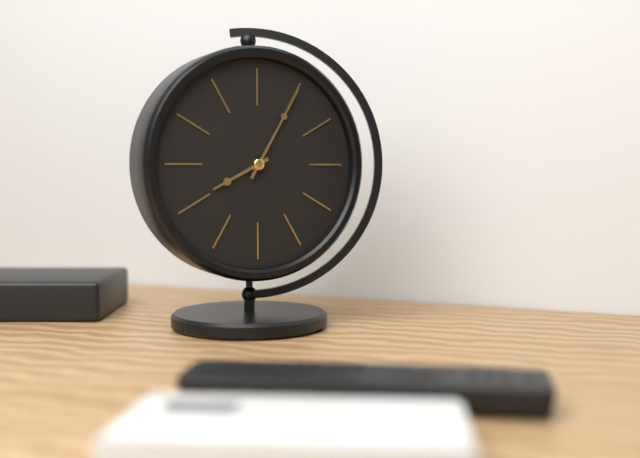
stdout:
8:05
